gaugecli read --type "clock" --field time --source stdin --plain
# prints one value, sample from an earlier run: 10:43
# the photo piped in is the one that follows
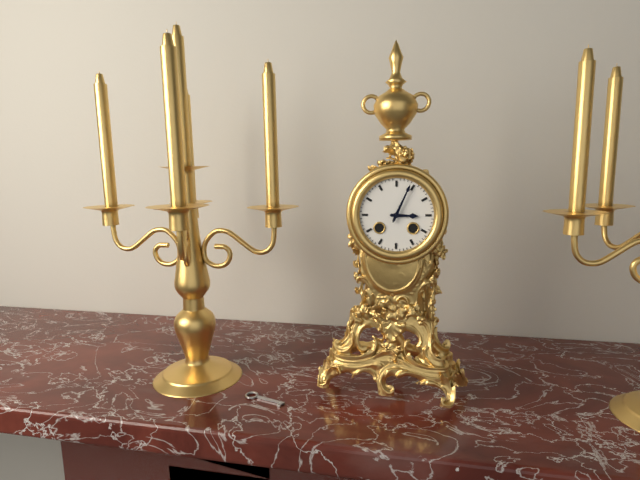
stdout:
3:04
